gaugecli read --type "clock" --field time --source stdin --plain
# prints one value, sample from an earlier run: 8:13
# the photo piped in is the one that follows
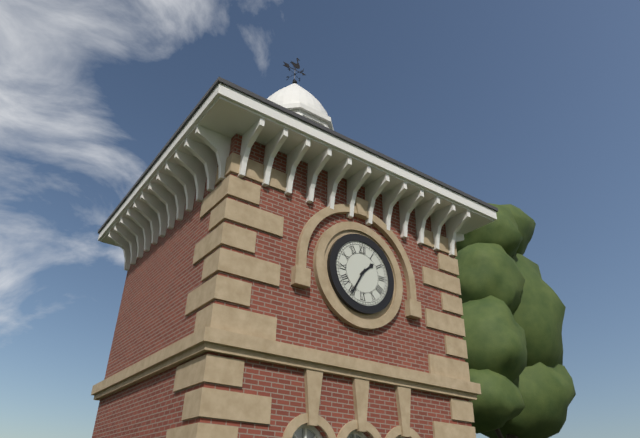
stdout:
1:35
